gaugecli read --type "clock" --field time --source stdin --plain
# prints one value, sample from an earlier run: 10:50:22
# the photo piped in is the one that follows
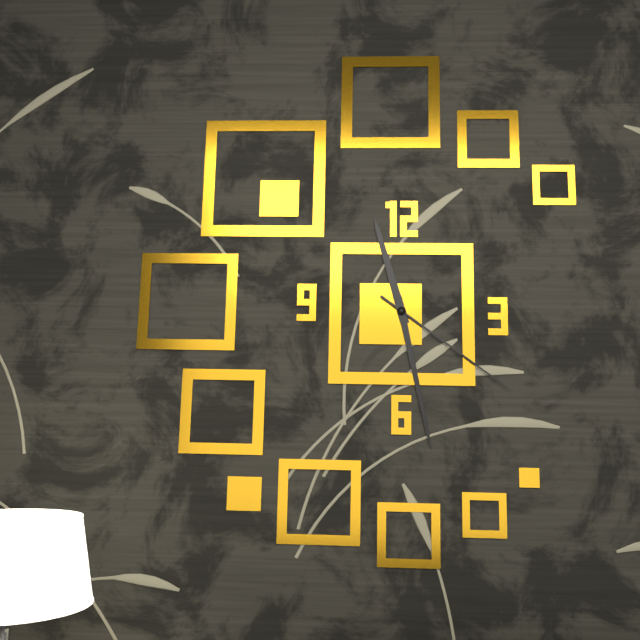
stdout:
11:28:21
